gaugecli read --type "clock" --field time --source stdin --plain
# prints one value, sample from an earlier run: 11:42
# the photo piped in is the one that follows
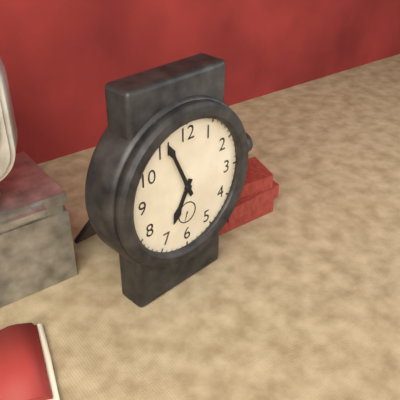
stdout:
6:56
